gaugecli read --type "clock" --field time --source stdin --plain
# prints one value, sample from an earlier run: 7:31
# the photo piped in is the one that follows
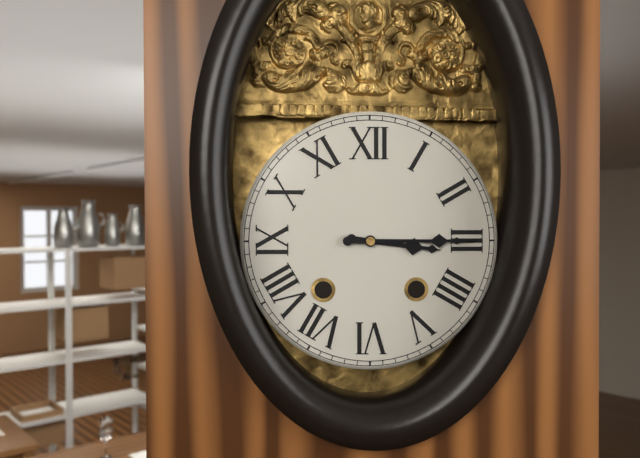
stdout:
3:15
